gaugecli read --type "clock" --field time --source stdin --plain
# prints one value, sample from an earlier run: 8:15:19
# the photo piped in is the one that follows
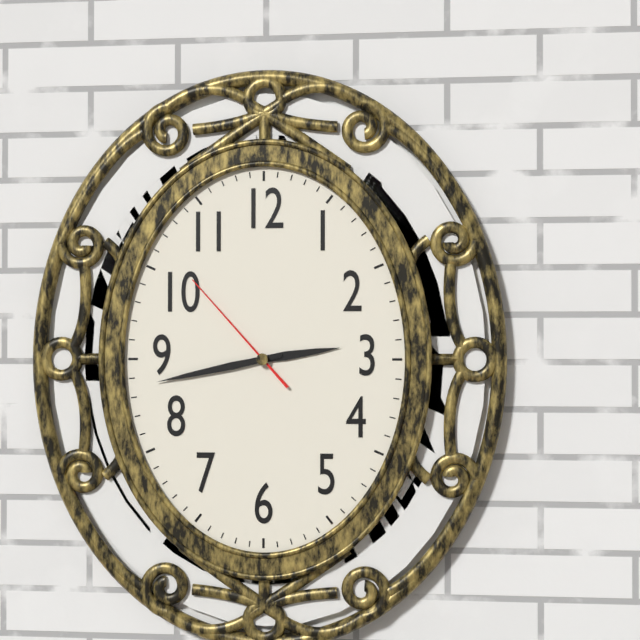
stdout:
2:43:53
